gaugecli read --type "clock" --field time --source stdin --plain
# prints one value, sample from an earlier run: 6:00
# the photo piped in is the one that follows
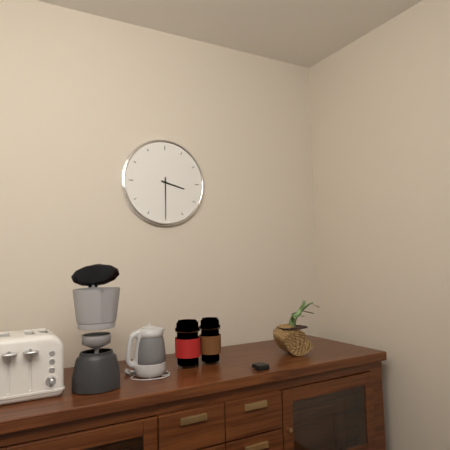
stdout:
3:30
